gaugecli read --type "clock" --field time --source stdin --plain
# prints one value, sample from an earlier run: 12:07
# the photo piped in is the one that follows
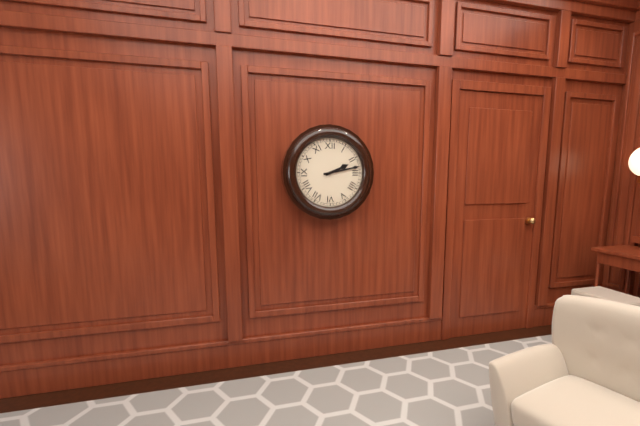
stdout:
2:13
